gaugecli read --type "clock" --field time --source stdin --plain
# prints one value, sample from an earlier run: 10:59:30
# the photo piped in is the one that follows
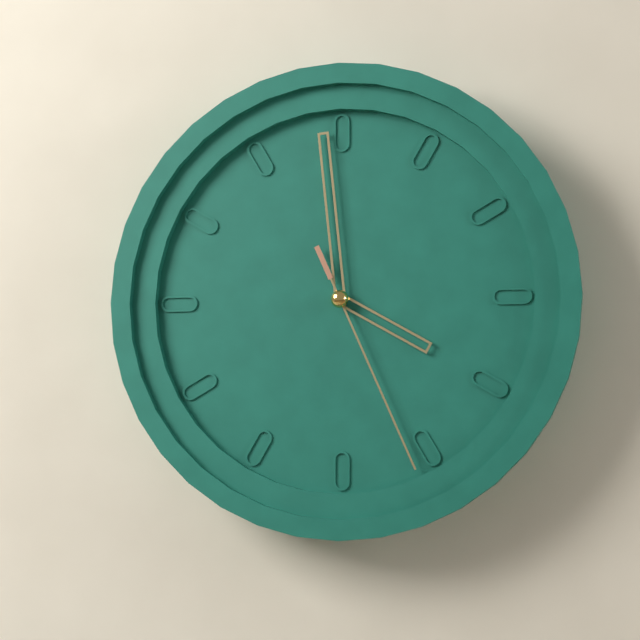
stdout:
3:59:26
